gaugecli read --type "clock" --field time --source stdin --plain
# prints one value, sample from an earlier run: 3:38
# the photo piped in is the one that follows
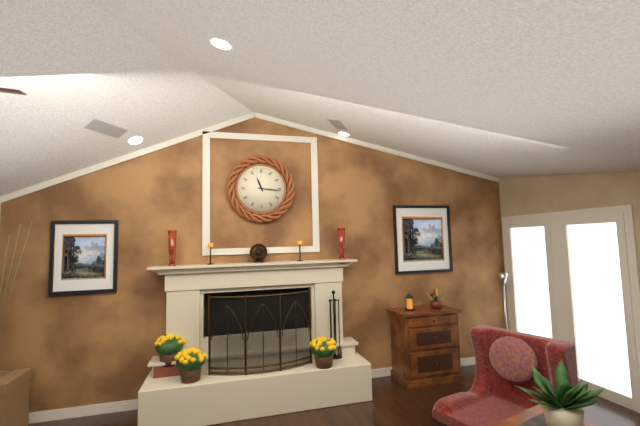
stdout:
11:16
